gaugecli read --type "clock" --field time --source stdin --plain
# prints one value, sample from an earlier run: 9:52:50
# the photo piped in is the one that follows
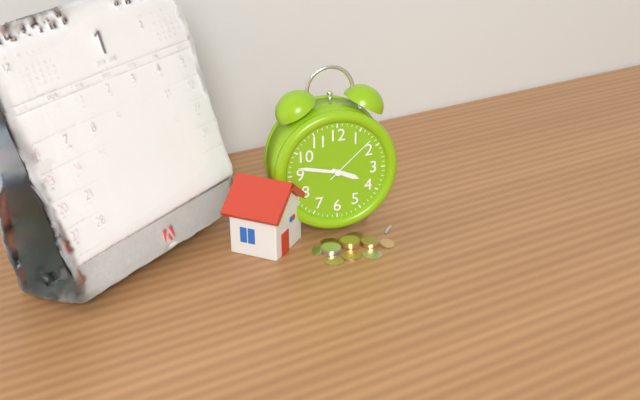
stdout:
3:47:08
